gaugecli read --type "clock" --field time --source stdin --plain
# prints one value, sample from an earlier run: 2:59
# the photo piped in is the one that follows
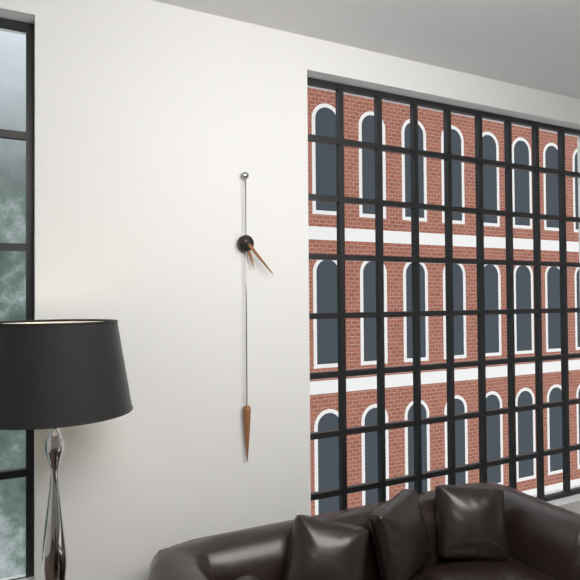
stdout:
5:23
